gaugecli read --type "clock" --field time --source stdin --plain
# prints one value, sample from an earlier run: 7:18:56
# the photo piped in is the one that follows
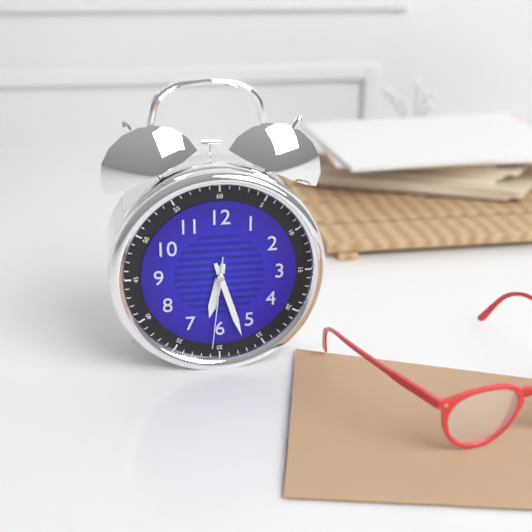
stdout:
6:27:31
